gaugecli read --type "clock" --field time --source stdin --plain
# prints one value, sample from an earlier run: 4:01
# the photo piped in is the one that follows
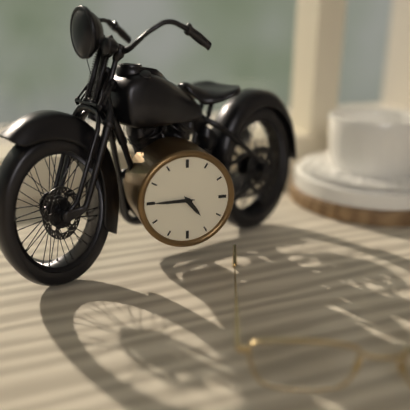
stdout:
4:45
